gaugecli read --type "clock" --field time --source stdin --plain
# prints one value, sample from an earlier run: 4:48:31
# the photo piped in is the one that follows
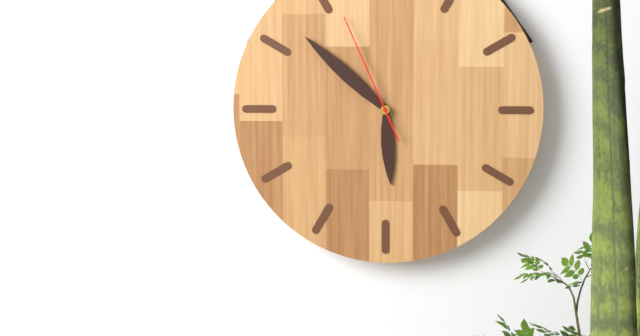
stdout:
5:52:56
